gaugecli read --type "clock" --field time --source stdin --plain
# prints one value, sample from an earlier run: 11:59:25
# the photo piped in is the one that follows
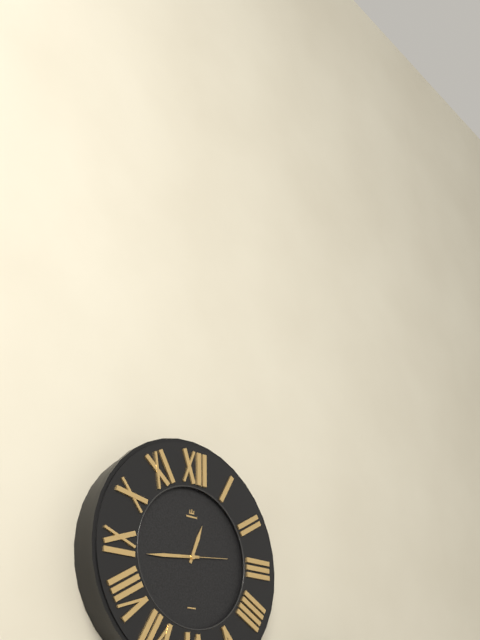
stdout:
12:44:14
